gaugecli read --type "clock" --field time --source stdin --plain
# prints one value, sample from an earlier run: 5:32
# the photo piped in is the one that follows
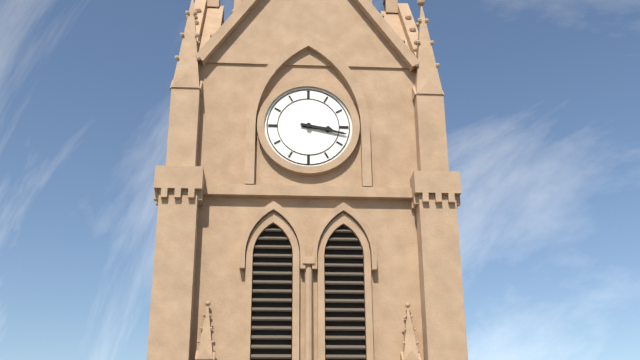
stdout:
3:17
